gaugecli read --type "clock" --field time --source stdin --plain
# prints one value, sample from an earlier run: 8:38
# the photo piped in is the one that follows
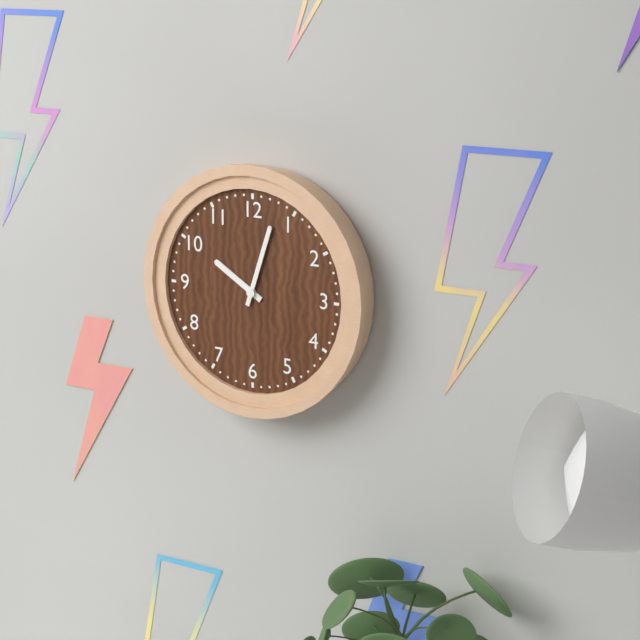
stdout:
10:03
